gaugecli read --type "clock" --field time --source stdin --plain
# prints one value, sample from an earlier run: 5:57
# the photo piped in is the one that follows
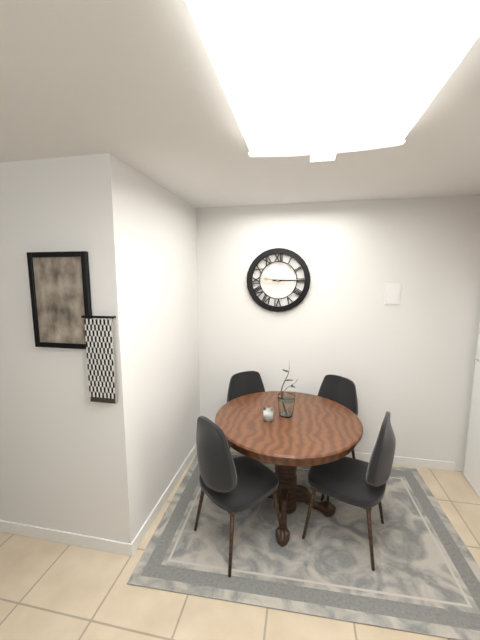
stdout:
9:15
